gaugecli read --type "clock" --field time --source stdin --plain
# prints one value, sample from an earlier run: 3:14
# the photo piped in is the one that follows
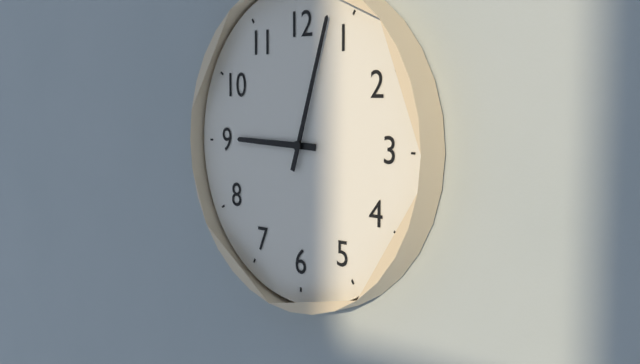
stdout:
9:03
